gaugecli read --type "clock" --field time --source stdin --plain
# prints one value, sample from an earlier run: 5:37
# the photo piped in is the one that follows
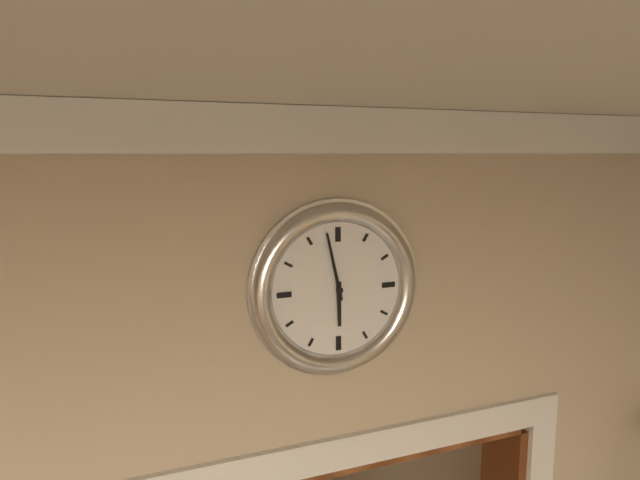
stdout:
5:58
